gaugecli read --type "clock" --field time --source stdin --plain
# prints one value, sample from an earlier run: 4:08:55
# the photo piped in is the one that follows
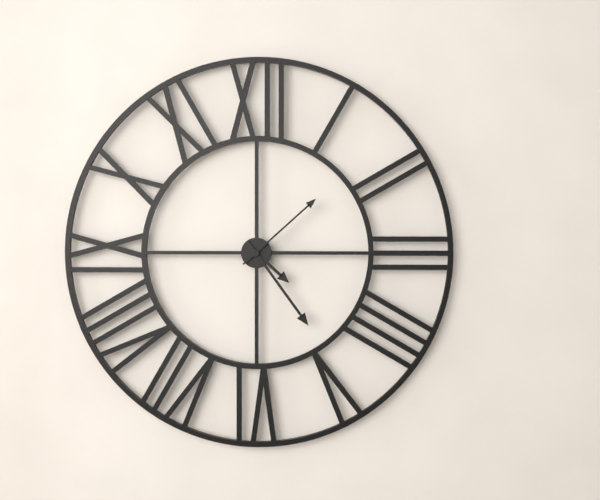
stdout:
4:24:08
